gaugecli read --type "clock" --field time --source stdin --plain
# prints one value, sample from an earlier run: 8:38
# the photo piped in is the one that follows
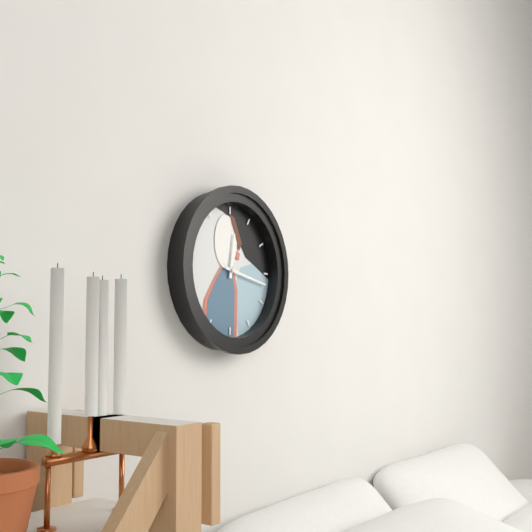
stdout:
12:17
